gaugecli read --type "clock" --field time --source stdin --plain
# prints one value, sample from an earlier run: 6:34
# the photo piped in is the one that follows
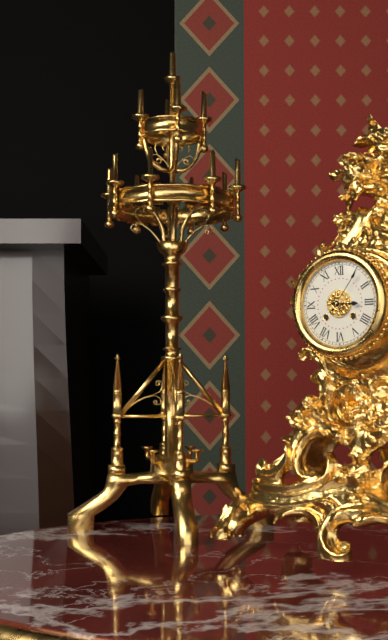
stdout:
3:06
